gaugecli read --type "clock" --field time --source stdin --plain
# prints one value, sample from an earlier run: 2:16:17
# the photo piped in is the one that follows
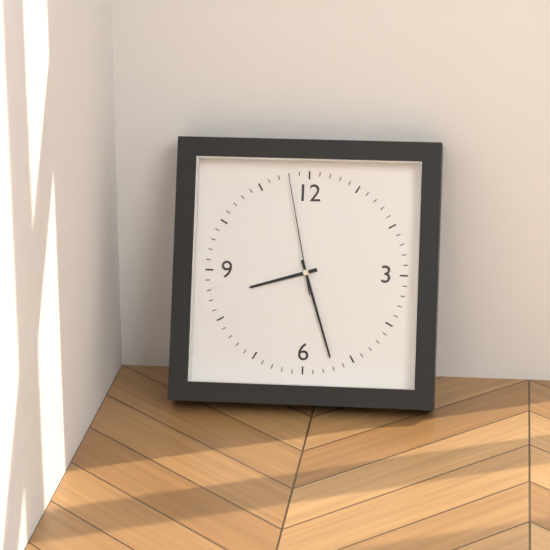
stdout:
8:27:58
